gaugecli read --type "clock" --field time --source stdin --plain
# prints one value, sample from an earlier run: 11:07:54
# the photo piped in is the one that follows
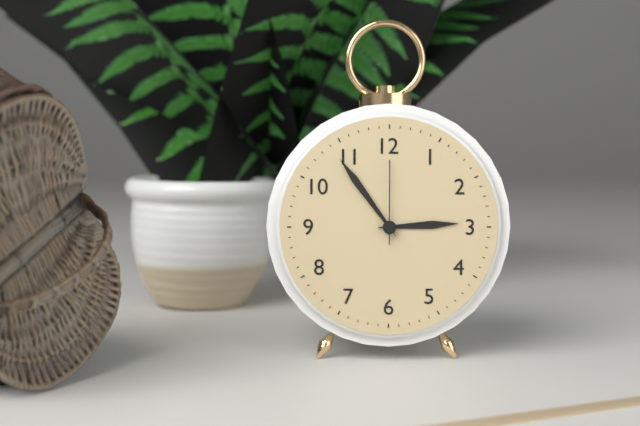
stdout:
2:54:00
